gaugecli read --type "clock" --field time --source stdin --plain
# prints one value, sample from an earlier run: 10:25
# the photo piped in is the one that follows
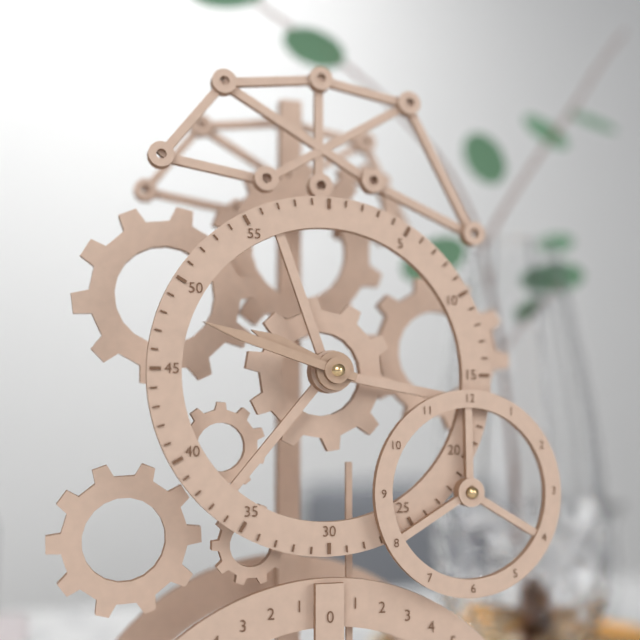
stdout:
9:48
